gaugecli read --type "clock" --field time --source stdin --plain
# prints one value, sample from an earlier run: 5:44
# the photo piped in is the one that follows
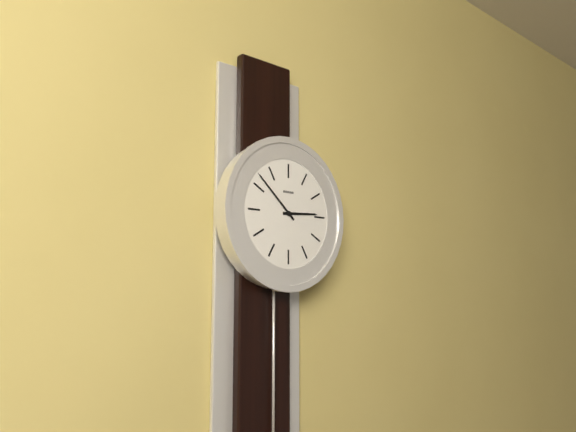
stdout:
2:52
